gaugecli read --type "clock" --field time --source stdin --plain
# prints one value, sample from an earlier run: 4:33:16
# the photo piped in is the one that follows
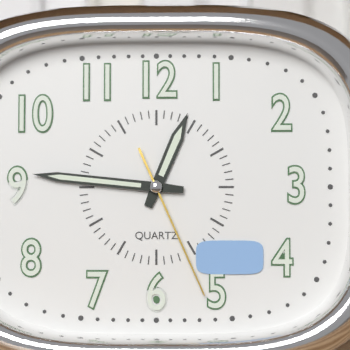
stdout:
12:46:26
